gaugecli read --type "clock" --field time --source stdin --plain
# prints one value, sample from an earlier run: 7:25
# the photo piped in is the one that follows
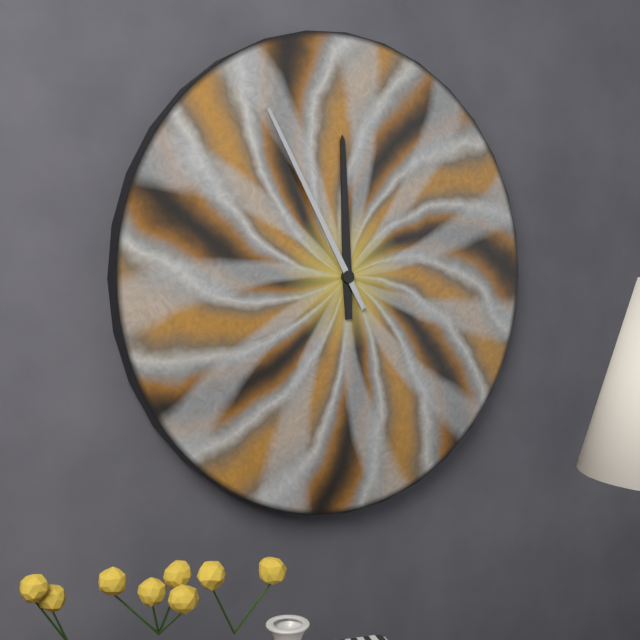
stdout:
11:55
